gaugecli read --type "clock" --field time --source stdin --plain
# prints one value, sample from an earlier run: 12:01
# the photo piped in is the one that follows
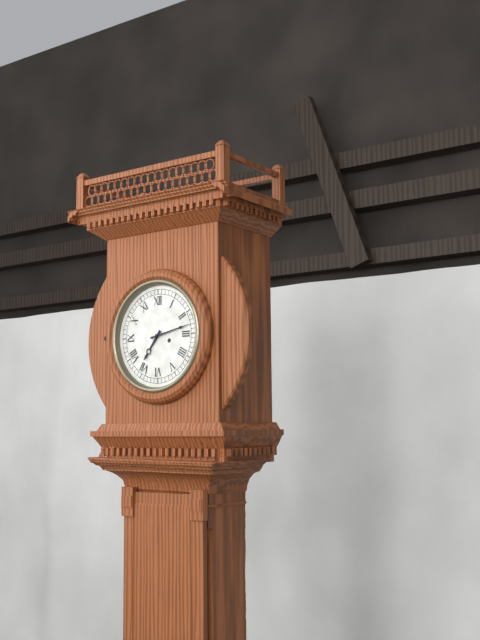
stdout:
7:13
